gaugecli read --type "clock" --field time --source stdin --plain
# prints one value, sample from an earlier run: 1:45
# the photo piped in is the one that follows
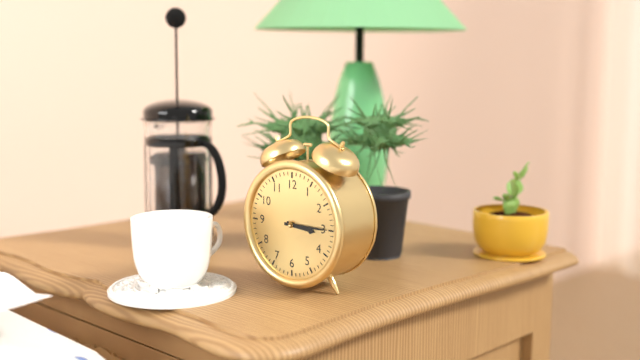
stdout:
3:15
